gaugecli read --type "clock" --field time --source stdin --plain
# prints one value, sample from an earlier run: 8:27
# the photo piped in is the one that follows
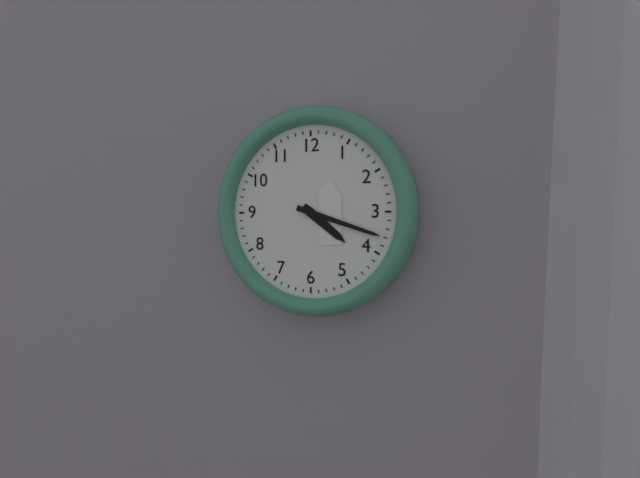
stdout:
4:18
